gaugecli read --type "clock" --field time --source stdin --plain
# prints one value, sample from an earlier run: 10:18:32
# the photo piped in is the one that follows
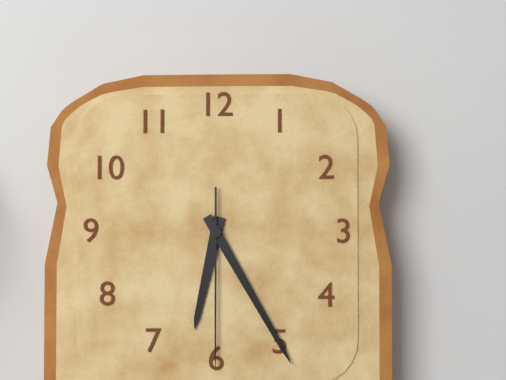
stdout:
6:25:30
